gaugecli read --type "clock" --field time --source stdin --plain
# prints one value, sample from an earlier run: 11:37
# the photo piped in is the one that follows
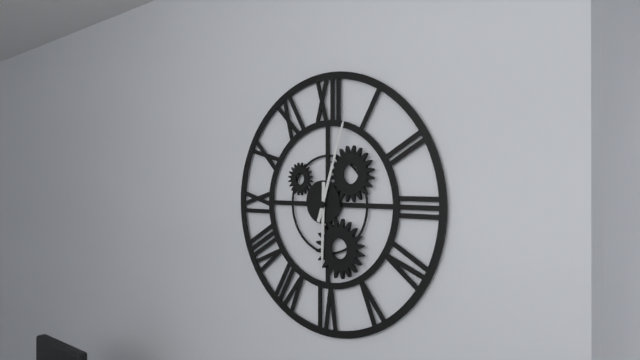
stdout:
6:03
